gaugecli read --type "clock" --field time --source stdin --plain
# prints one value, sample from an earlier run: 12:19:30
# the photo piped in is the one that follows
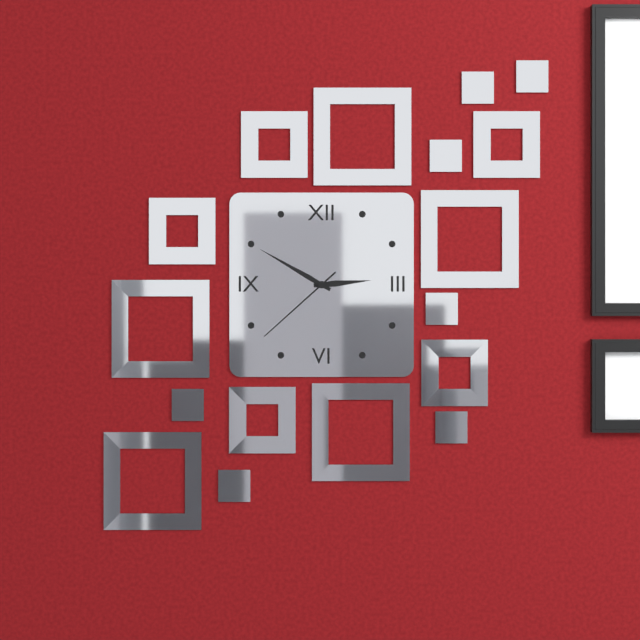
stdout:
2:50:38
